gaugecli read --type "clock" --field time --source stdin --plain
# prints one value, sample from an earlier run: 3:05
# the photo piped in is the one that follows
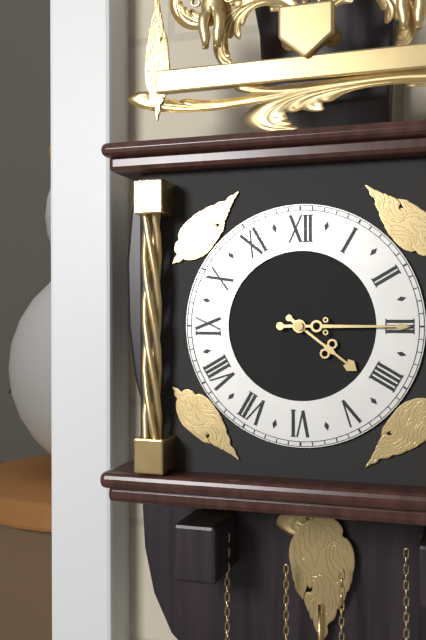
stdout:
4:15
